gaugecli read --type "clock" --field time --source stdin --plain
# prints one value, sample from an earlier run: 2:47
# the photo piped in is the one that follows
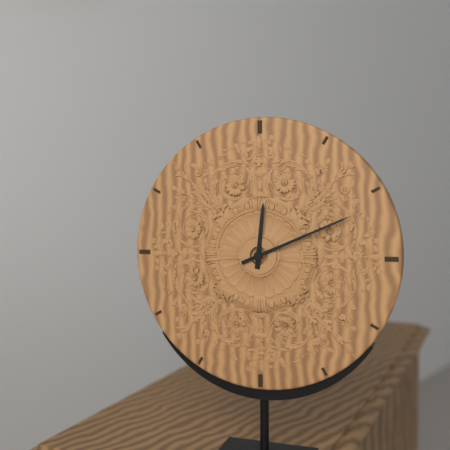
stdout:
12:11
